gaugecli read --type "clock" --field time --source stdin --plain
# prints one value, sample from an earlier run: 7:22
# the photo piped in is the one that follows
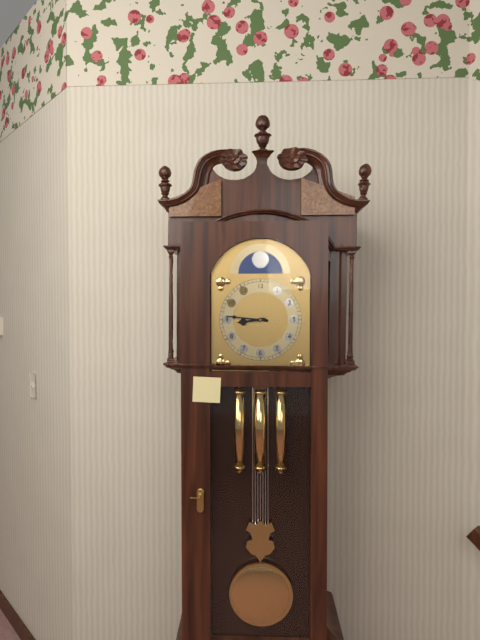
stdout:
8:46
